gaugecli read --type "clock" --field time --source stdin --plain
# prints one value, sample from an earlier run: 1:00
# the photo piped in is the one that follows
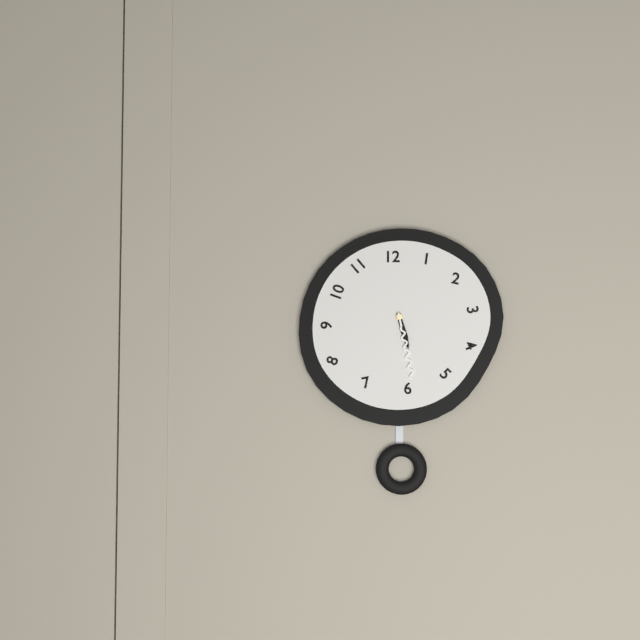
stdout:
5:28
